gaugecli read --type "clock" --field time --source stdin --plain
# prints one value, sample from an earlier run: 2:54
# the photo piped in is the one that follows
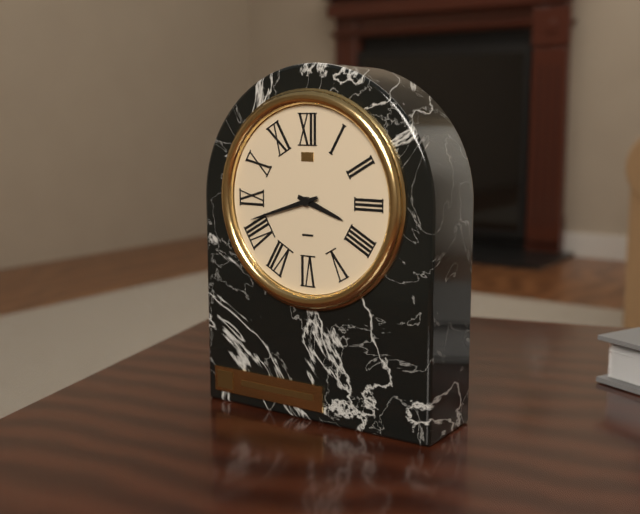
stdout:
3:42
